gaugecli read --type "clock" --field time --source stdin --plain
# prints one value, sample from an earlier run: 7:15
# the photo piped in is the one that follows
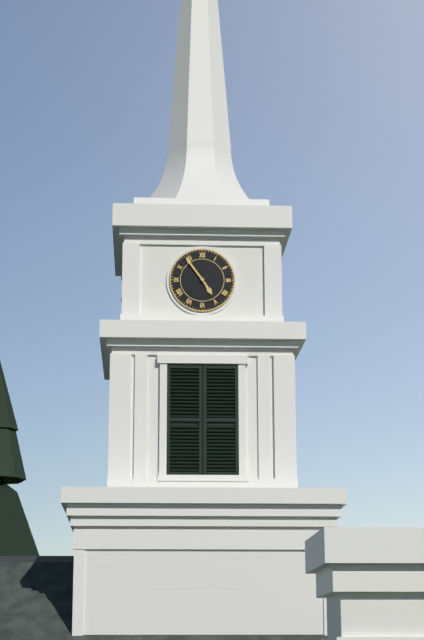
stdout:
4:54
